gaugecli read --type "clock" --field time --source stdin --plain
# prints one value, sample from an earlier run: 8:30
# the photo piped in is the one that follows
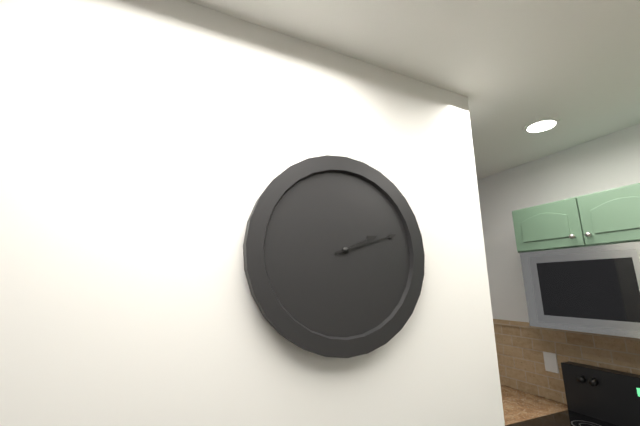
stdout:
2:12
